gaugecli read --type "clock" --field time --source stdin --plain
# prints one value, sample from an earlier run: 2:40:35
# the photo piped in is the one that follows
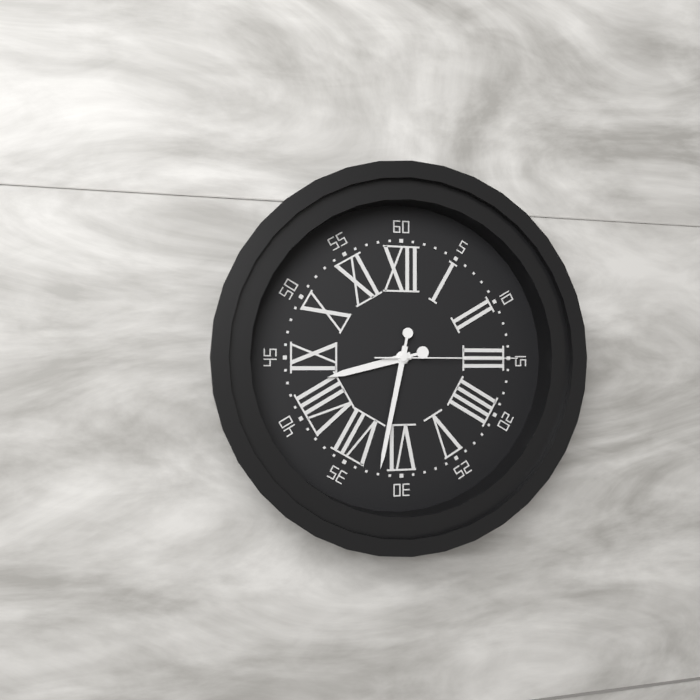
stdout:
8:32:15
